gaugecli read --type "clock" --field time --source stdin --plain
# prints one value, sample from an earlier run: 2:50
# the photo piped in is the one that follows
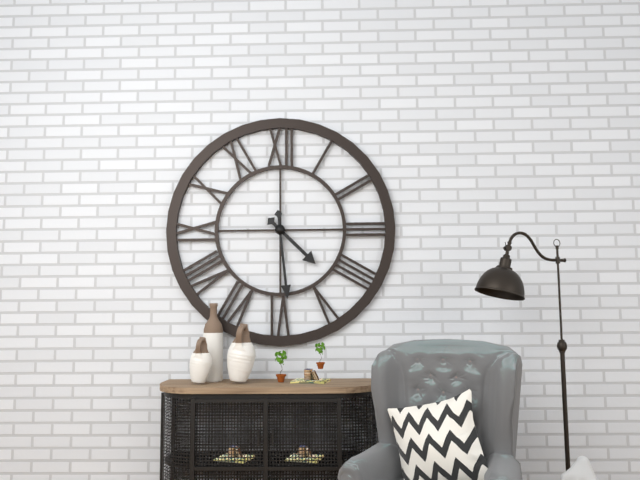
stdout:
4:29
